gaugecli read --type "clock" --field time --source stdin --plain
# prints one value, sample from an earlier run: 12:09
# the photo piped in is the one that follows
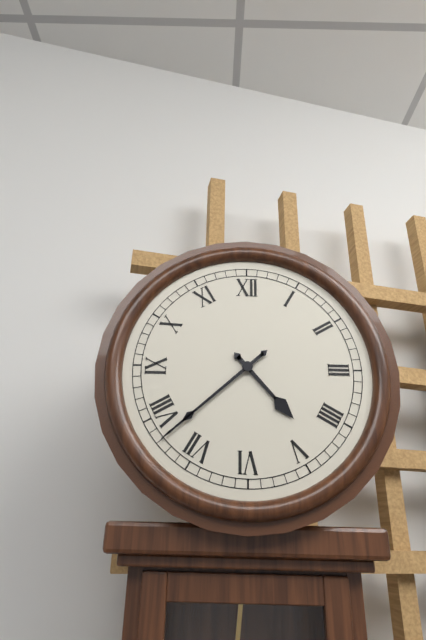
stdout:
4:38
